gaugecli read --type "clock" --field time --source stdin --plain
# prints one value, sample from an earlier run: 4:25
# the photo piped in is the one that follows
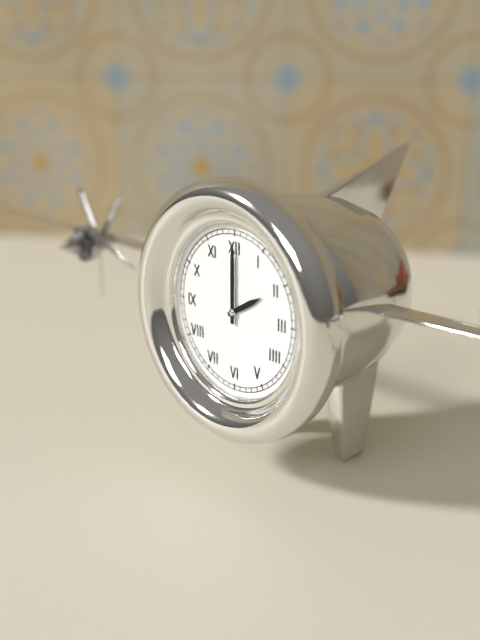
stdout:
2:00
